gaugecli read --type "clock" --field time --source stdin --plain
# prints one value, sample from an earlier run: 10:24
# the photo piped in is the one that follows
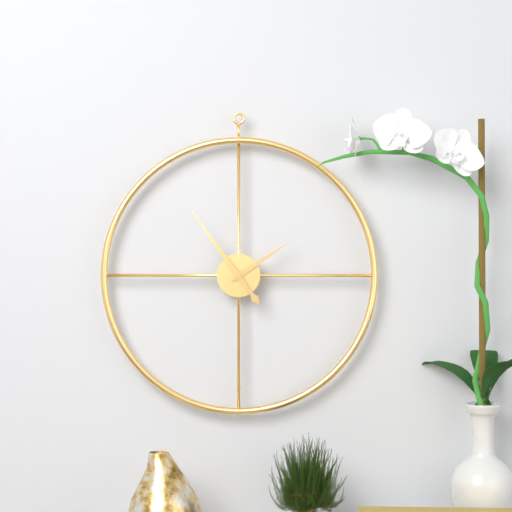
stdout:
1:54
